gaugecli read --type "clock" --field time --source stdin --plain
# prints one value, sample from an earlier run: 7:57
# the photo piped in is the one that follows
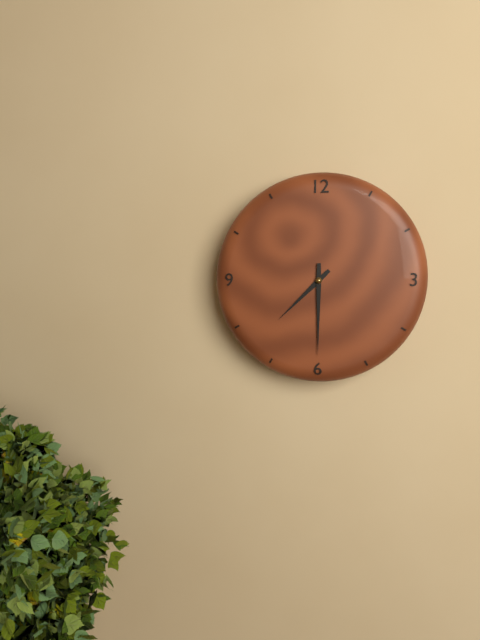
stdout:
7:30
